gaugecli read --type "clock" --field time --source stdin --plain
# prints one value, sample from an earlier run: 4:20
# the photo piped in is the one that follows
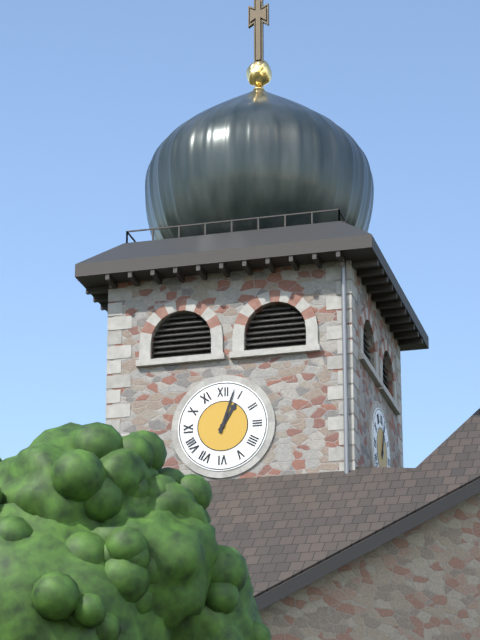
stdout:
1:03
